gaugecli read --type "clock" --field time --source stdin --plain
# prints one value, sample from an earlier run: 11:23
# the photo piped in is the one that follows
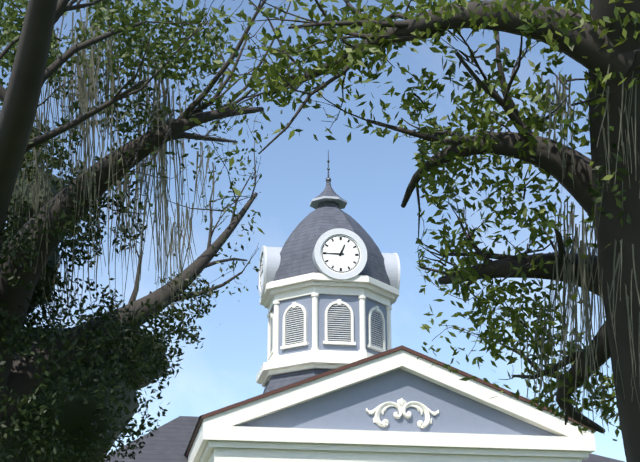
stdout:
12:45
